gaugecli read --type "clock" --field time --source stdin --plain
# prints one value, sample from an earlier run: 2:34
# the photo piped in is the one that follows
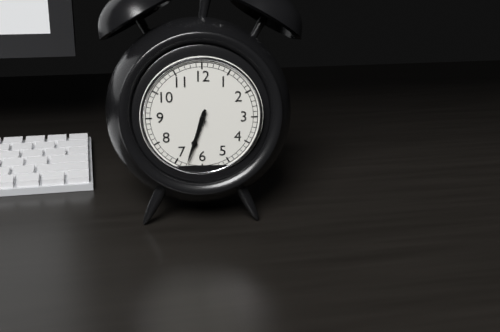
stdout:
6:33
